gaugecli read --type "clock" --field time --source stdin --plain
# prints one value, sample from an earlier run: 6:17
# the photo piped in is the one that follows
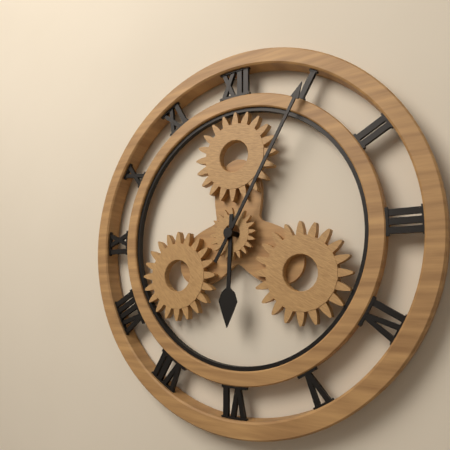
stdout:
6:05
